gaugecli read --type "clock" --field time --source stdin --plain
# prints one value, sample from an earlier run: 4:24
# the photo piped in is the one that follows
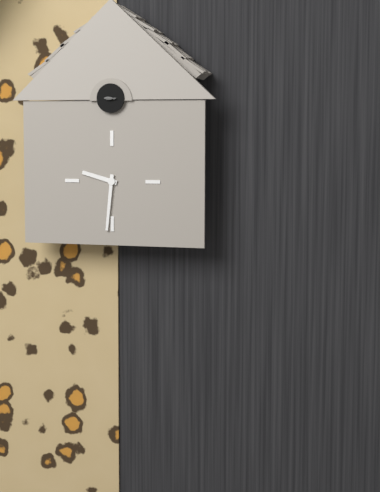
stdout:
9:31
